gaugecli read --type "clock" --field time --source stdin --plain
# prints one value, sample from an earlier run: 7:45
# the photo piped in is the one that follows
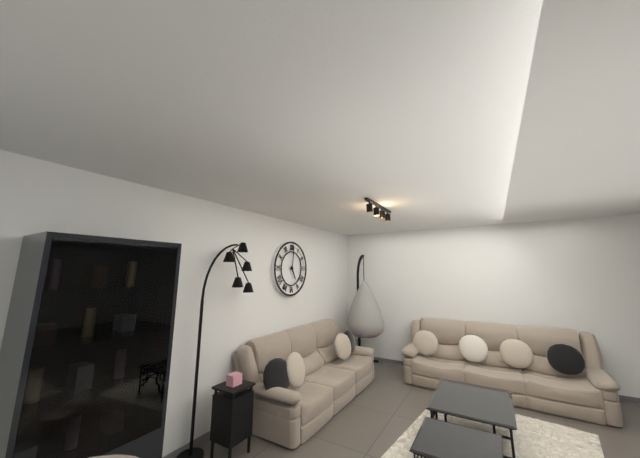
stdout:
5:01
